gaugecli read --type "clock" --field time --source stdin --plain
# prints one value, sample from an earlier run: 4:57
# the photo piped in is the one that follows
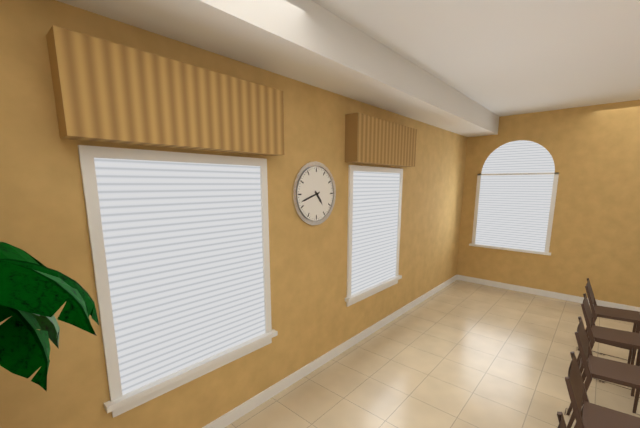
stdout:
4:42
